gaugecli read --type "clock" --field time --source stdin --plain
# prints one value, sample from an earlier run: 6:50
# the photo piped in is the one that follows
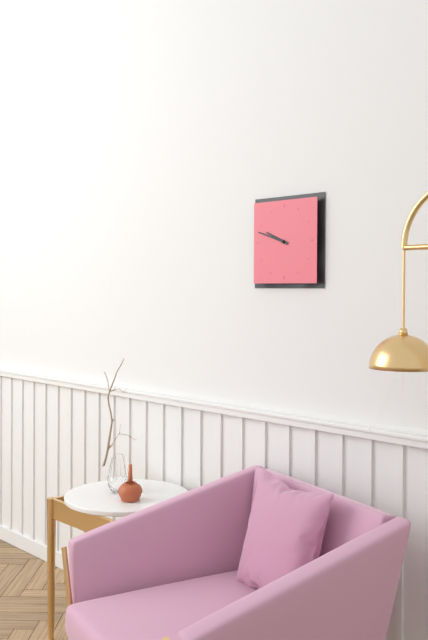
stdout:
9:48
